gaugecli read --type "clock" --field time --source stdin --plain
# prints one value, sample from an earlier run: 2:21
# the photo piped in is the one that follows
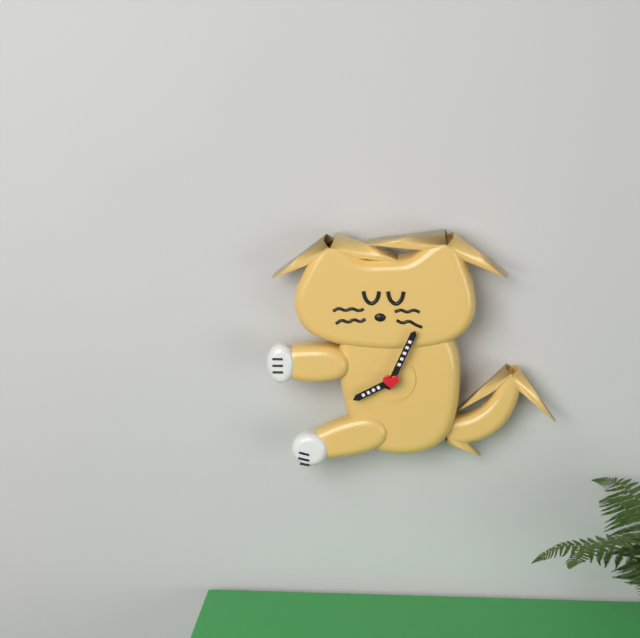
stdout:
8:04
